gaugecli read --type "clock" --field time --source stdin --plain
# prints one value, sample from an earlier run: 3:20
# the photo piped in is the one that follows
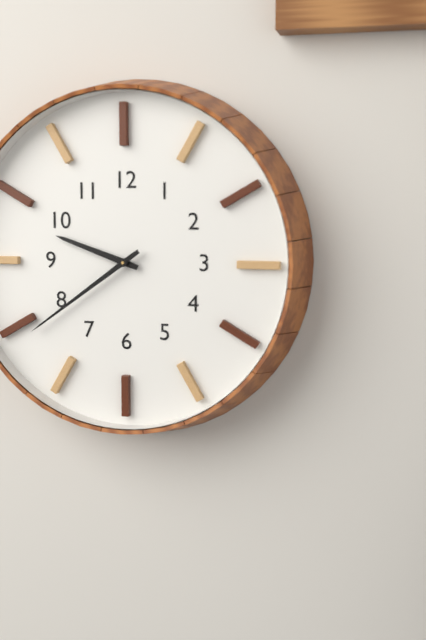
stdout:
9:39
